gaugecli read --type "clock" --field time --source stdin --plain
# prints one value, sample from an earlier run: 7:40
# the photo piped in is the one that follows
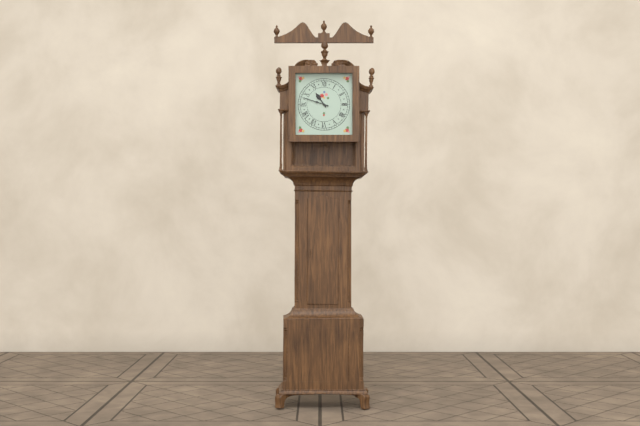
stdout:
10:48
